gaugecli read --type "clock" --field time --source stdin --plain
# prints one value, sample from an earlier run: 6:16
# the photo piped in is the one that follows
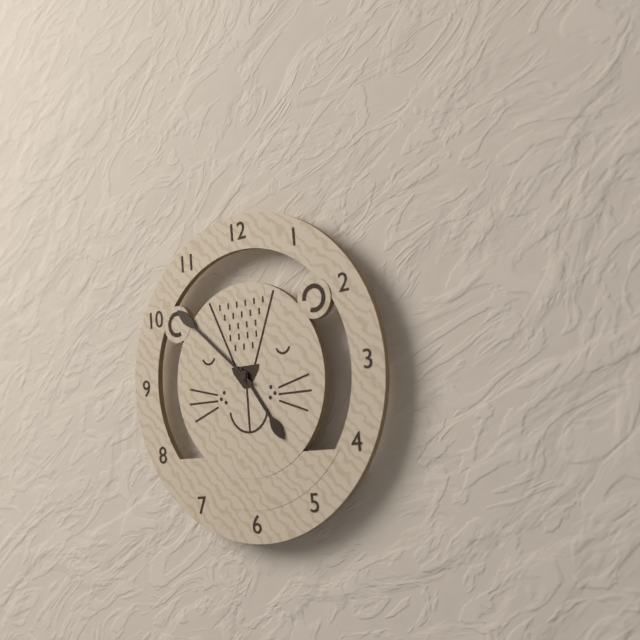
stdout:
4:52
